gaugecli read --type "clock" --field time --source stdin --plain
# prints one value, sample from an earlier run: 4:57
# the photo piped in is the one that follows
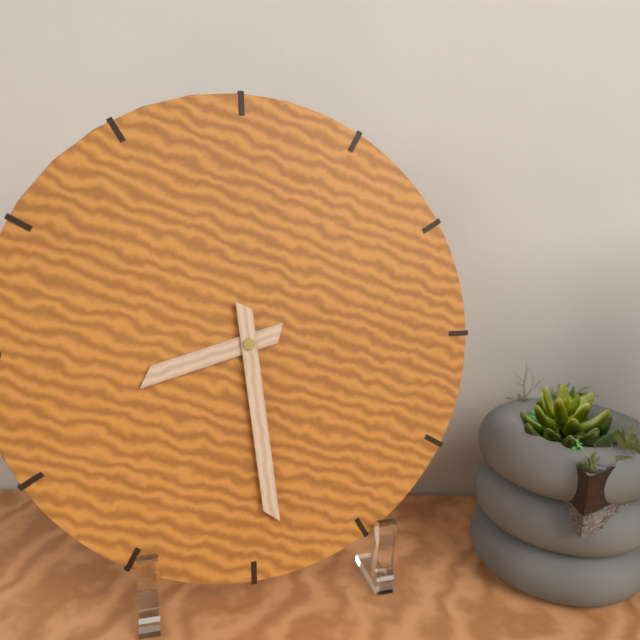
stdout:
8:29
